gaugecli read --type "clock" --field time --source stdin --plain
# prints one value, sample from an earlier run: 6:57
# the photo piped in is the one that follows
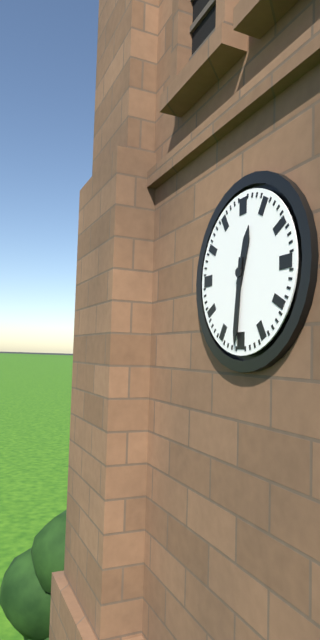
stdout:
12:31
